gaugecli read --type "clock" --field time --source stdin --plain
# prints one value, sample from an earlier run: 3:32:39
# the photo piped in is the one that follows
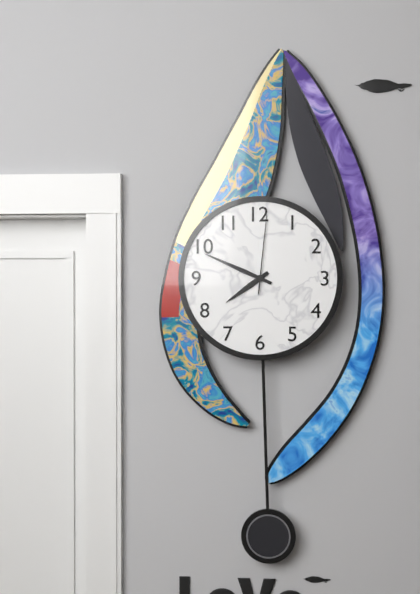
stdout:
7:49:01
